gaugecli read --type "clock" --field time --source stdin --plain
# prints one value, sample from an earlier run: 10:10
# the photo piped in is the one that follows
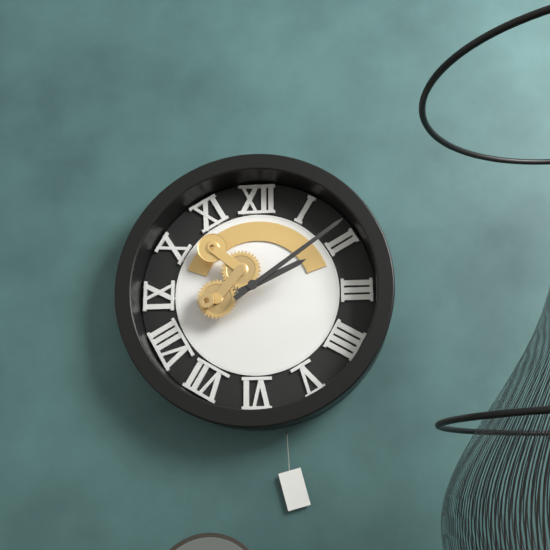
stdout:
2:09
